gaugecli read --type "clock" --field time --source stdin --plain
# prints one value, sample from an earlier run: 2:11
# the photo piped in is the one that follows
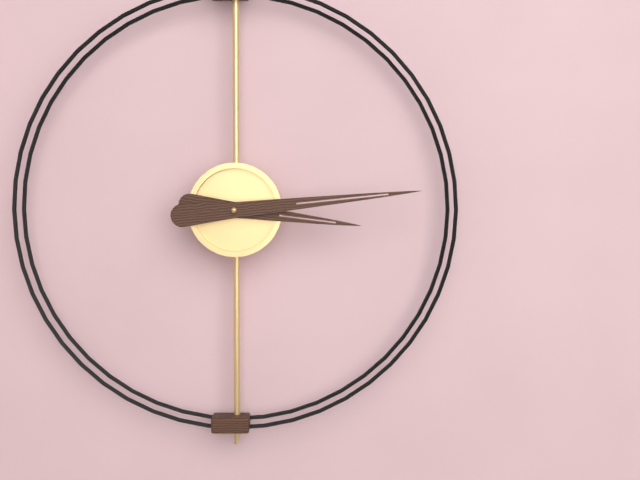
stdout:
3:14
